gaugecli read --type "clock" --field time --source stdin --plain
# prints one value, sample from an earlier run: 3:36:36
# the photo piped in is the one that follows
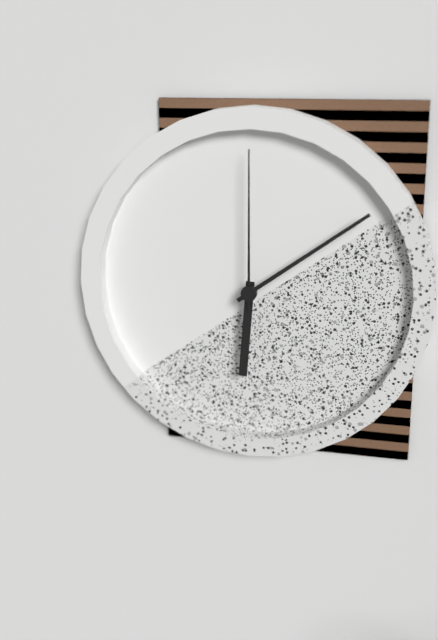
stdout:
6:09:00
